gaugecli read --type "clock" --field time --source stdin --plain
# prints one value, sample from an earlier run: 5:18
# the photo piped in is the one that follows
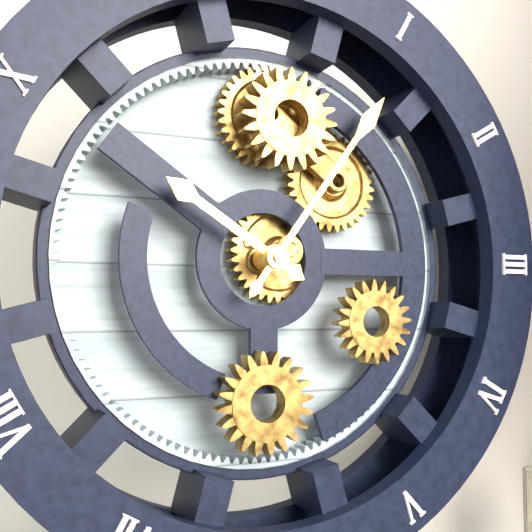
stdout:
10:06
